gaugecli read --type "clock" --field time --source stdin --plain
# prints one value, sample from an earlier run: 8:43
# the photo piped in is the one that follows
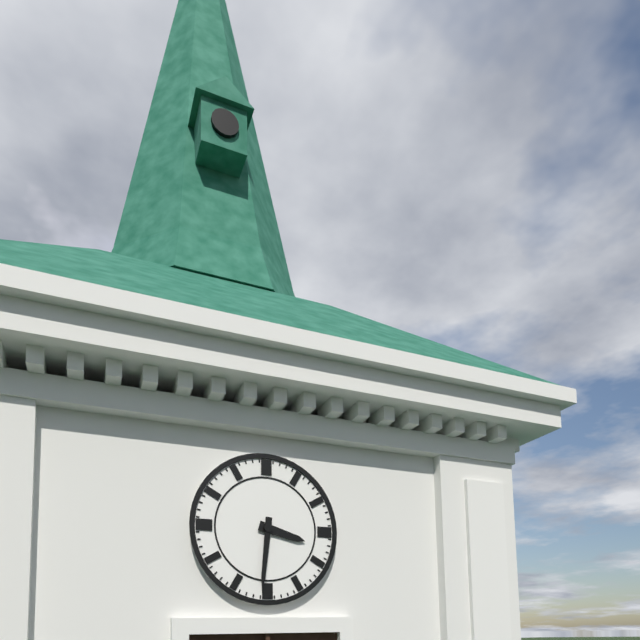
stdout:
3:31
